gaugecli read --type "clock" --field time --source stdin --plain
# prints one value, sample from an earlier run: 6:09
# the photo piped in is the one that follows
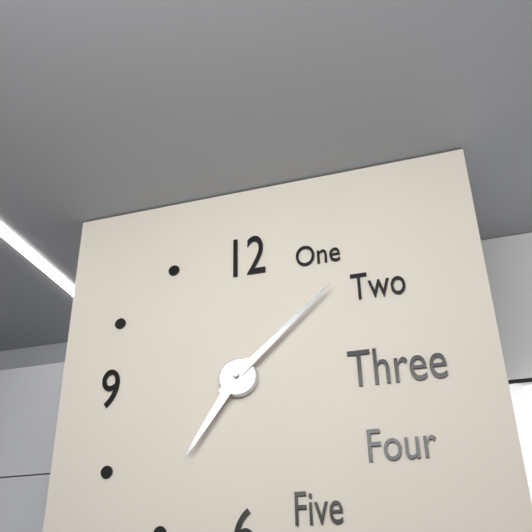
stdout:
7:08
